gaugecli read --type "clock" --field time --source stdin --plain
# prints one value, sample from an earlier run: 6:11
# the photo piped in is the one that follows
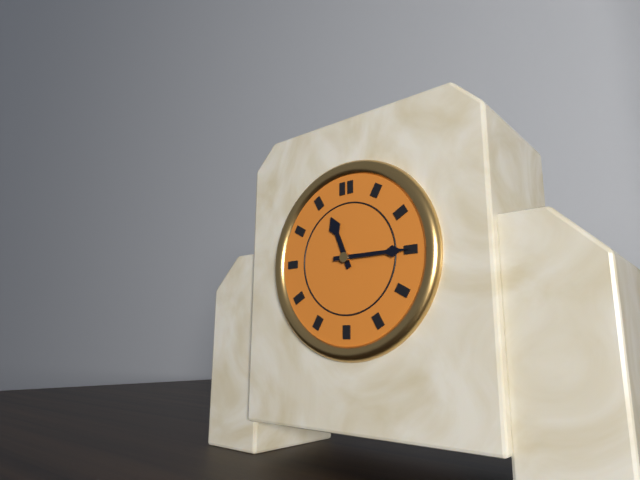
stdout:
11:15
